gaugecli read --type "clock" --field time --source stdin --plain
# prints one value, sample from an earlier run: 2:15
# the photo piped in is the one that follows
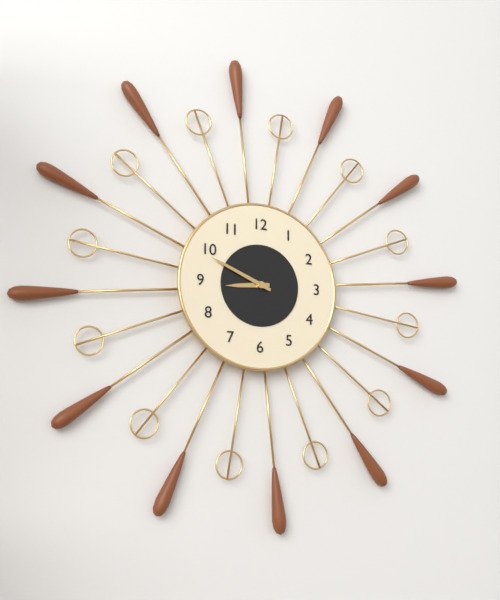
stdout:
8:49
